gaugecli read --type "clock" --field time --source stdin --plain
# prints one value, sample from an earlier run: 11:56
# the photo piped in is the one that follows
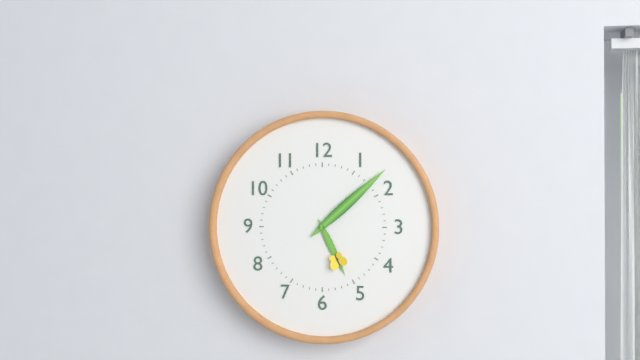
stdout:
5:08
